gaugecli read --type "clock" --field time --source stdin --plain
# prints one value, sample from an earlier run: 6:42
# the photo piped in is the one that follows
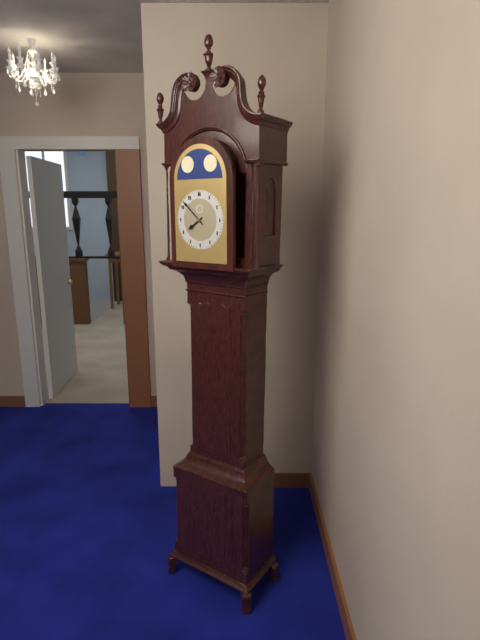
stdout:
7:52
